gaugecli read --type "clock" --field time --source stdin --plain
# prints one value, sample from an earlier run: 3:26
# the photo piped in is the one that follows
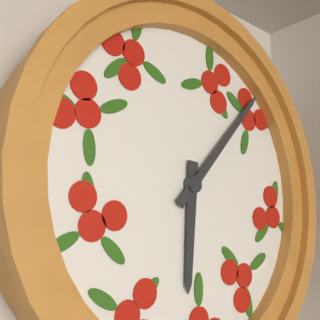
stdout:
6:07
